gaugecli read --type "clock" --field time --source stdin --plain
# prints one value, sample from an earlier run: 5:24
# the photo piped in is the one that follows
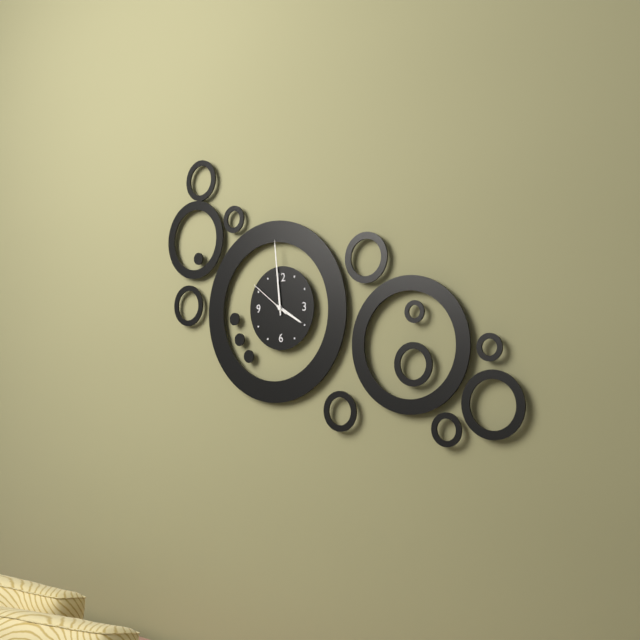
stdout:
3:59
